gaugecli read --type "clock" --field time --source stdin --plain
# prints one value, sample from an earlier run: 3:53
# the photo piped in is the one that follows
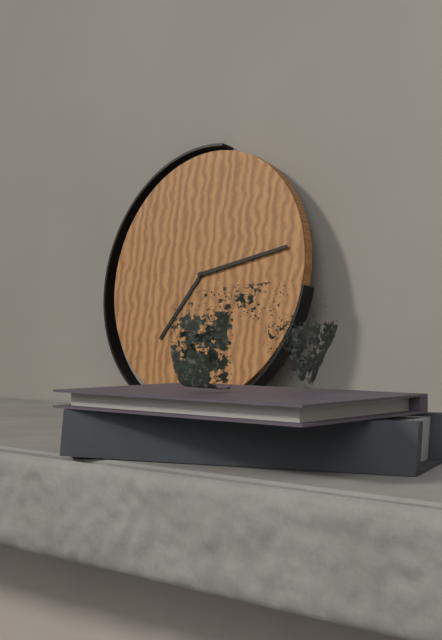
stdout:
7:13
